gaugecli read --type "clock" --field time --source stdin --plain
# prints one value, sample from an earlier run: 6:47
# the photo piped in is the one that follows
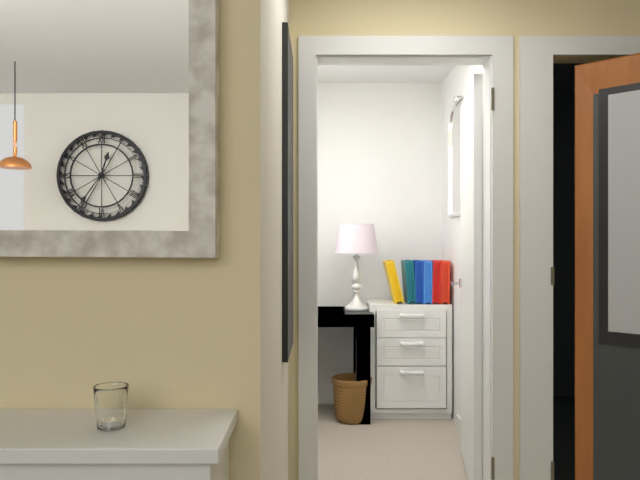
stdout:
12:36
